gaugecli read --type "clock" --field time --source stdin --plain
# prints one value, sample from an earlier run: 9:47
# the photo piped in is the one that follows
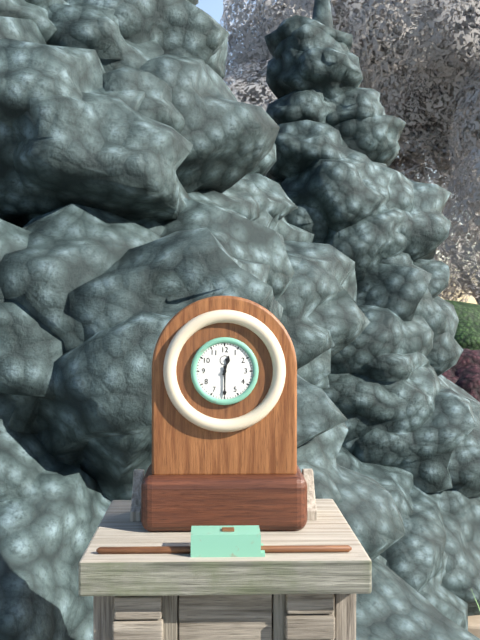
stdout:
12:30
